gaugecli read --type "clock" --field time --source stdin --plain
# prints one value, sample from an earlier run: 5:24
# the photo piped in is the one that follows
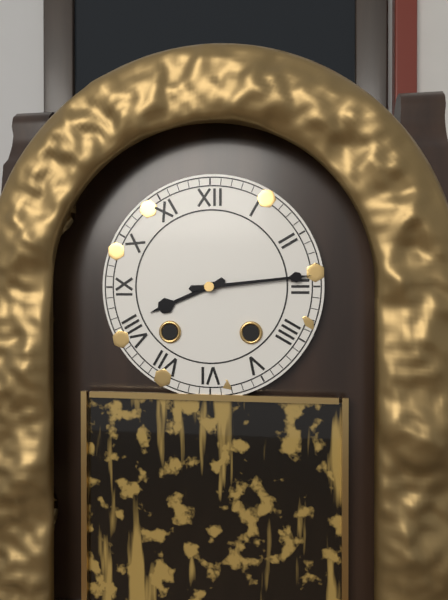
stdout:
8:14
